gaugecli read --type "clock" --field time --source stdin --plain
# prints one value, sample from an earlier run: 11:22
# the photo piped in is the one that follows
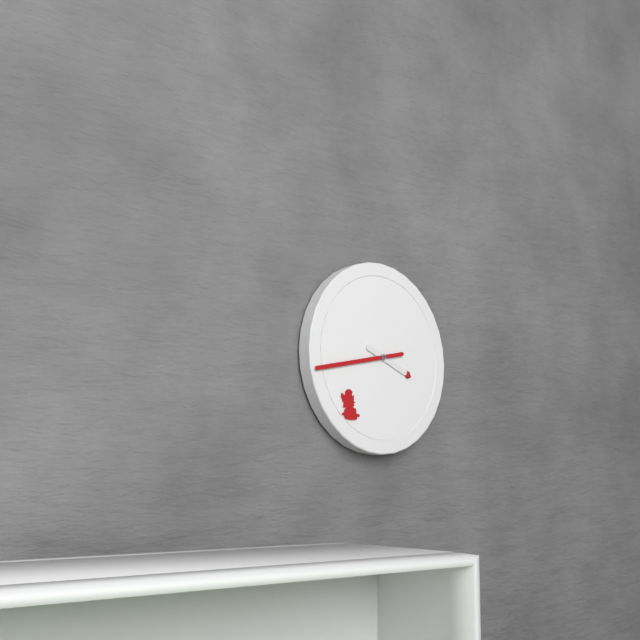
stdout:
3:43
